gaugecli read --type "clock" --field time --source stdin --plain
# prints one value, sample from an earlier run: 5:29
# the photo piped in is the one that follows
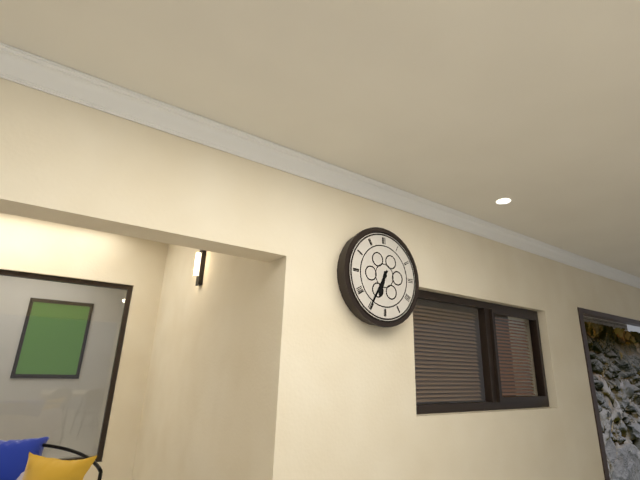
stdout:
6:35
